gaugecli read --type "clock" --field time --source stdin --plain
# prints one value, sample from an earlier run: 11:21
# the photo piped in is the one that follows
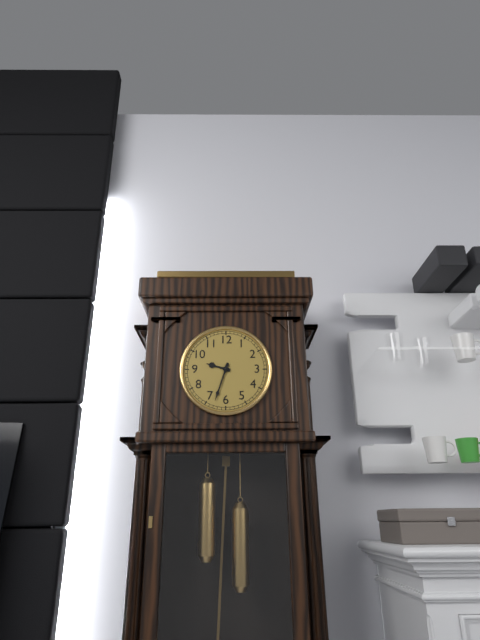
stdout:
9:33
